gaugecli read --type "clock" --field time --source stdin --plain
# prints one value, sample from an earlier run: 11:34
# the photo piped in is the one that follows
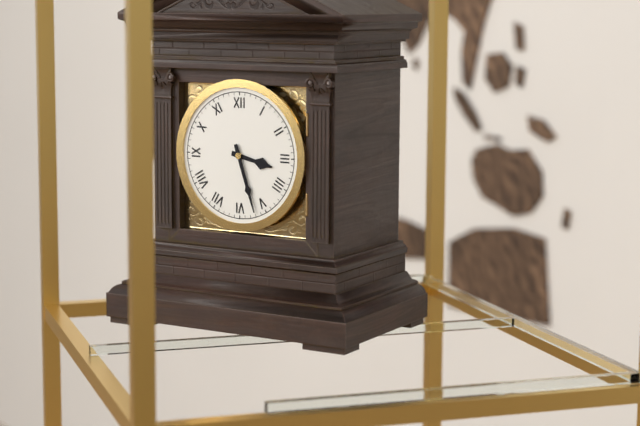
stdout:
3:27
